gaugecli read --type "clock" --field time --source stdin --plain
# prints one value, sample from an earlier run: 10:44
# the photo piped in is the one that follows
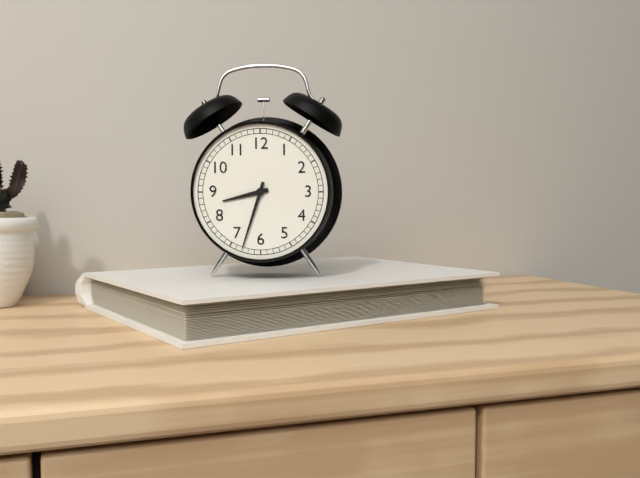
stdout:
8:33
